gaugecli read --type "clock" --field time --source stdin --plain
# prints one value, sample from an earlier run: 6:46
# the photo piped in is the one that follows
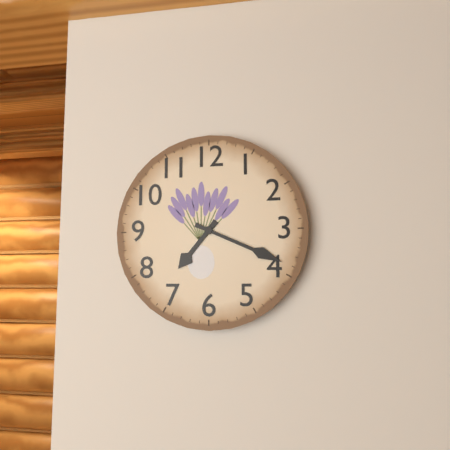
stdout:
7:19
